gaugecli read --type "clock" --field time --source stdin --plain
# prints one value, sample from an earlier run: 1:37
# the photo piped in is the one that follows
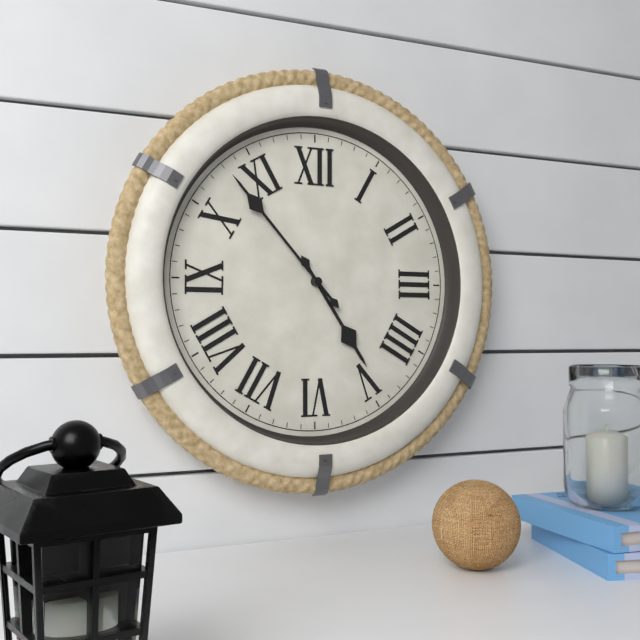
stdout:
4:53
